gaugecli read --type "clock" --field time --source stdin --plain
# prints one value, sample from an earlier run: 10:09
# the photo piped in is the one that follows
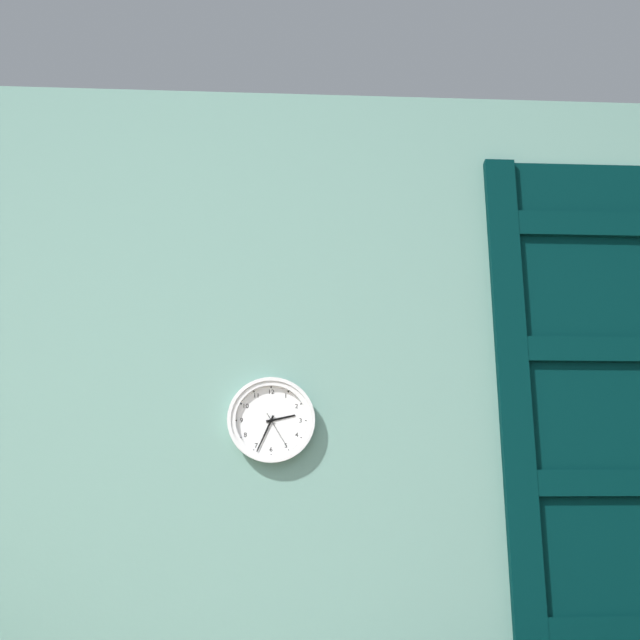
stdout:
2:34
